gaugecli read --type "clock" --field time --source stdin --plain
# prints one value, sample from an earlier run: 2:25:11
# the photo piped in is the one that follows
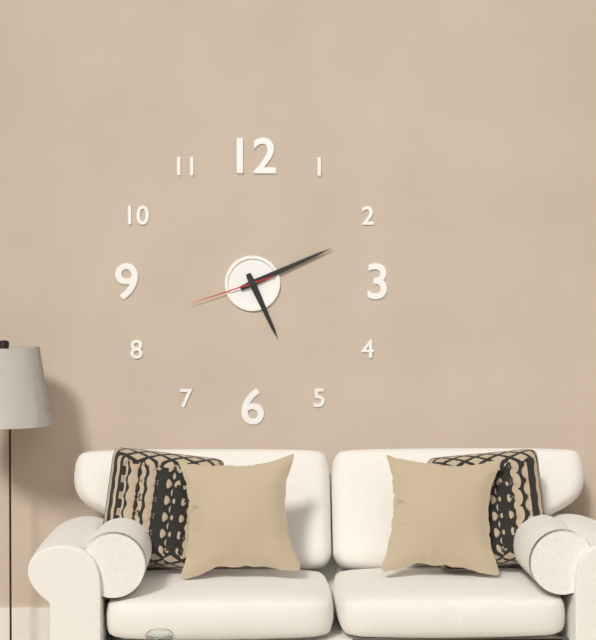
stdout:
5:11:42
